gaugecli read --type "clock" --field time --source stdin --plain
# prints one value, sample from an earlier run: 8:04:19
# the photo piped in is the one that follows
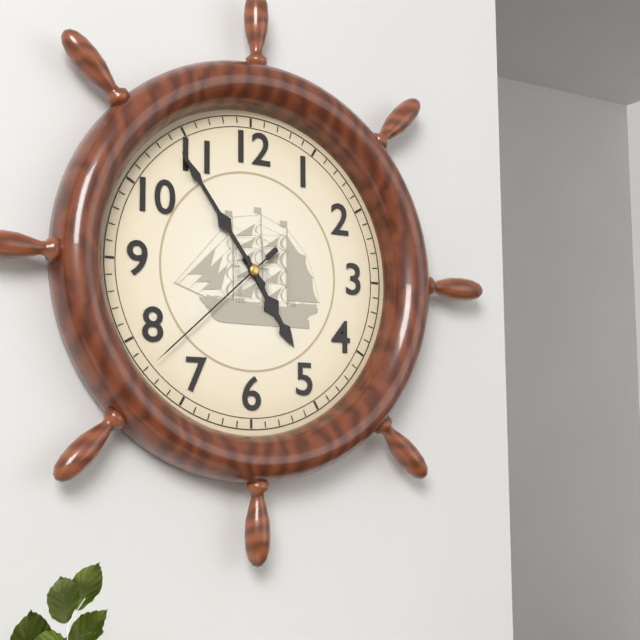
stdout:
4:54:38
